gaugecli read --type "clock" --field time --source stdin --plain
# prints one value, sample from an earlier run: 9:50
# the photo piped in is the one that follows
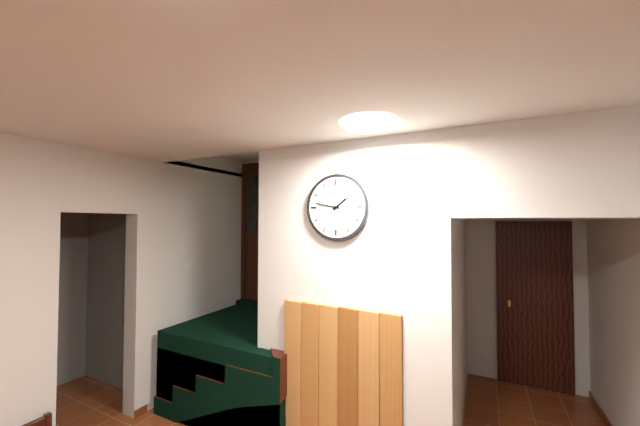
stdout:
1:47
